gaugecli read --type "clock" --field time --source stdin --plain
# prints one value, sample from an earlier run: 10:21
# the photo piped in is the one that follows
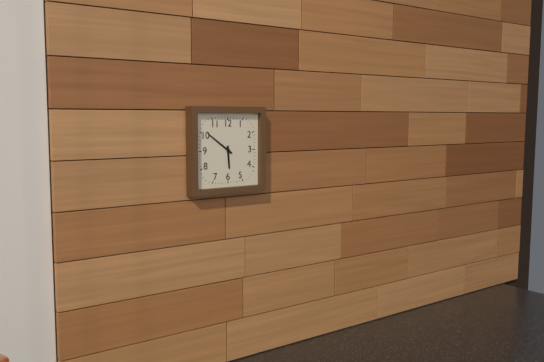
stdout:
5:51
